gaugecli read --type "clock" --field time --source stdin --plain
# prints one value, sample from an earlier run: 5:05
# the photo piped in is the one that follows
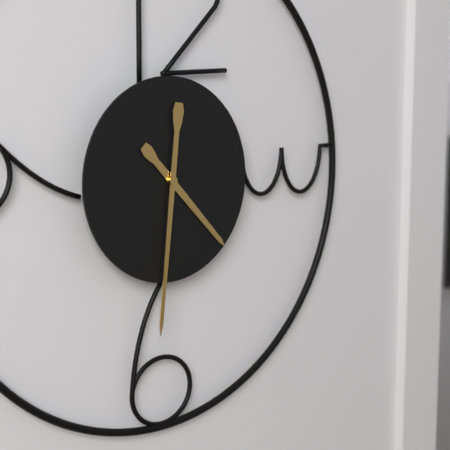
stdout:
4:31
